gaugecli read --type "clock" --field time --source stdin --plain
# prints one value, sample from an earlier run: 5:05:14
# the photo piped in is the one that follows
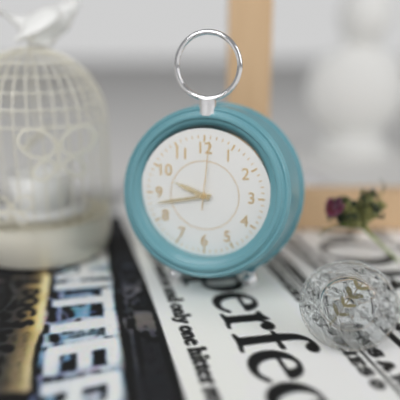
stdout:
9:43:01
